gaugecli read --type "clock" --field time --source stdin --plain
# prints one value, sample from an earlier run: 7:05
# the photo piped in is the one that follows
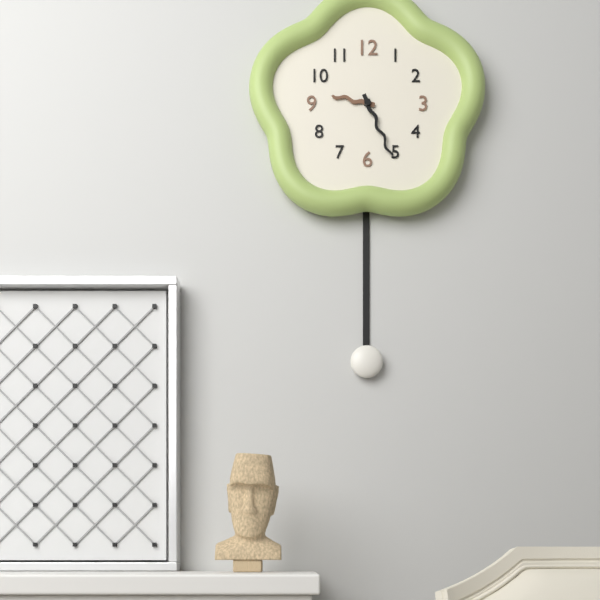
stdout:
9:26
